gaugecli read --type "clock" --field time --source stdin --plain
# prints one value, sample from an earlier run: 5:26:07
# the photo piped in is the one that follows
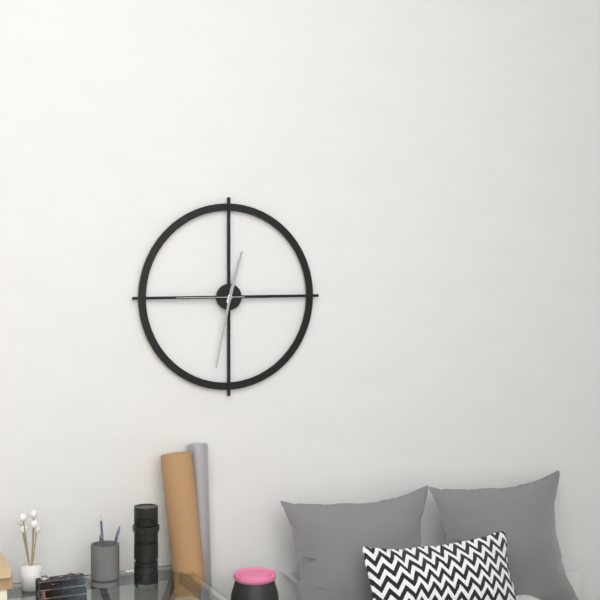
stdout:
12:32:45
